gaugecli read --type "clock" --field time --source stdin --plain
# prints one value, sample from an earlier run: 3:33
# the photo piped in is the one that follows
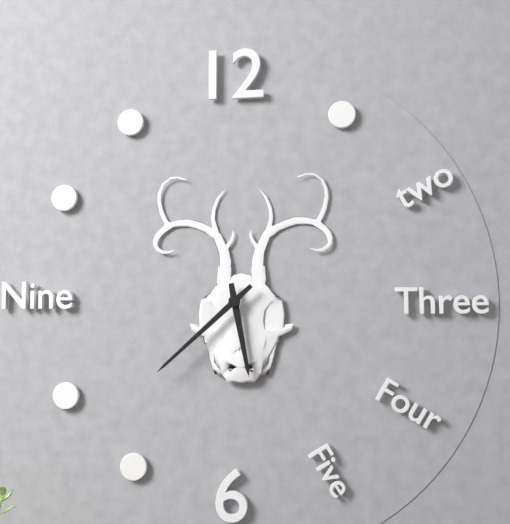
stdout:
5:38
